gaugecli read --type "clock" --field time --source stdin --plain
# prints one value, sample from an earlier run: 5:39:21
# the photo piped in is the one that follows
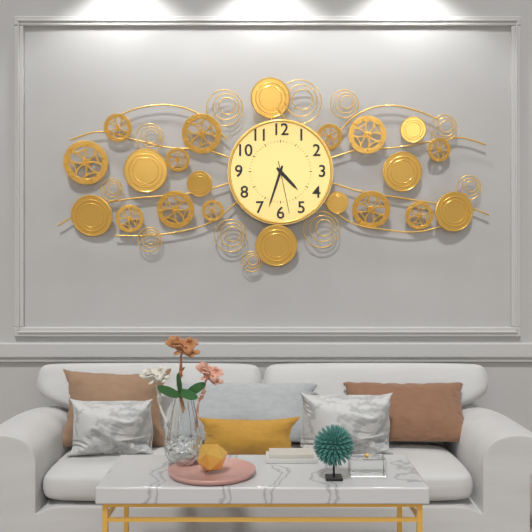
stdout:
4:33:28
